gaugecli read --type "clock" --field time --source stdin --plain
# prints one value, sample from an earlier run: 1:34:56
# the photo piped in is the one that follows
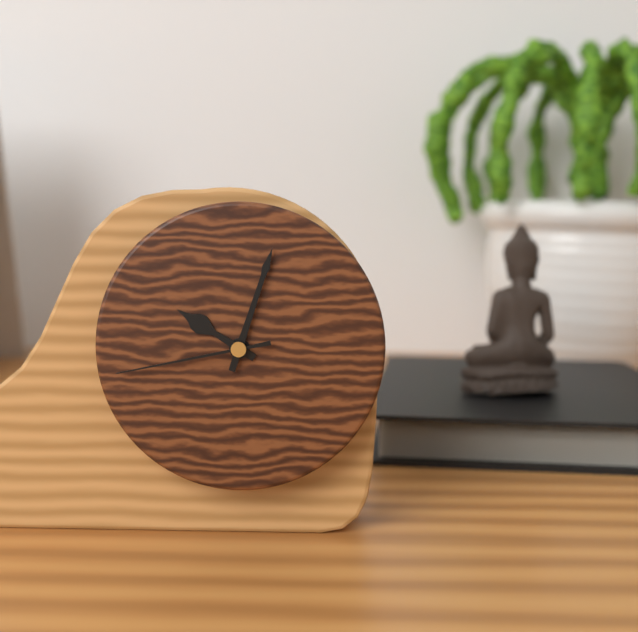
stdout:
10:03:43
